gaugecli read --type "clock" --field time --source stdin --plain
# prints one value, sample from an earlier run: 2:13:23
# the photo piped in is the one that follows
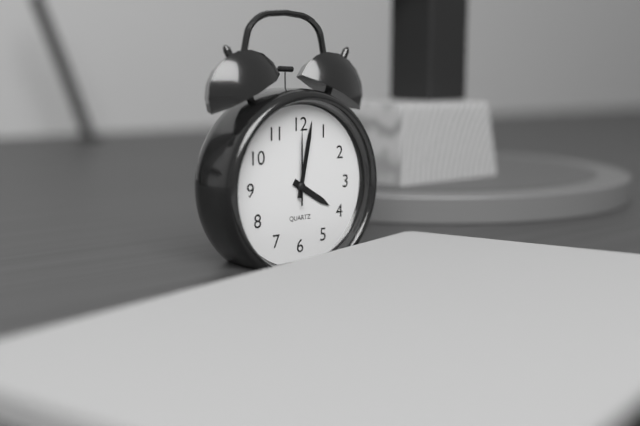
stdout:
4:02:00
